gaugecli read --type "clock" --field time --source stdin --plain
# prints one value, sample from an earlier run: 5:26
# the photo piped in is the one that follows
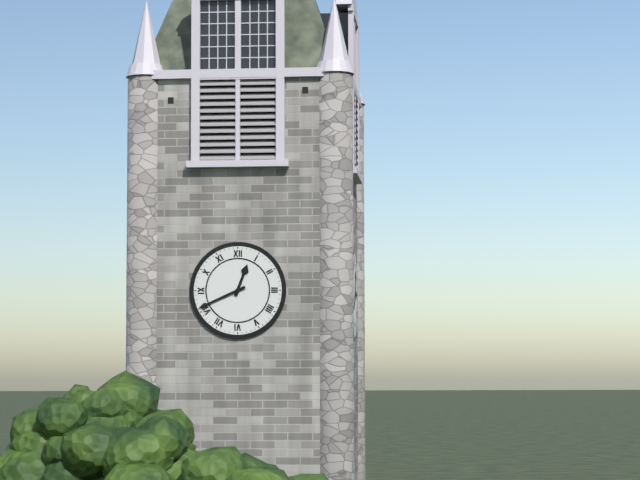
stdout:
12:41
